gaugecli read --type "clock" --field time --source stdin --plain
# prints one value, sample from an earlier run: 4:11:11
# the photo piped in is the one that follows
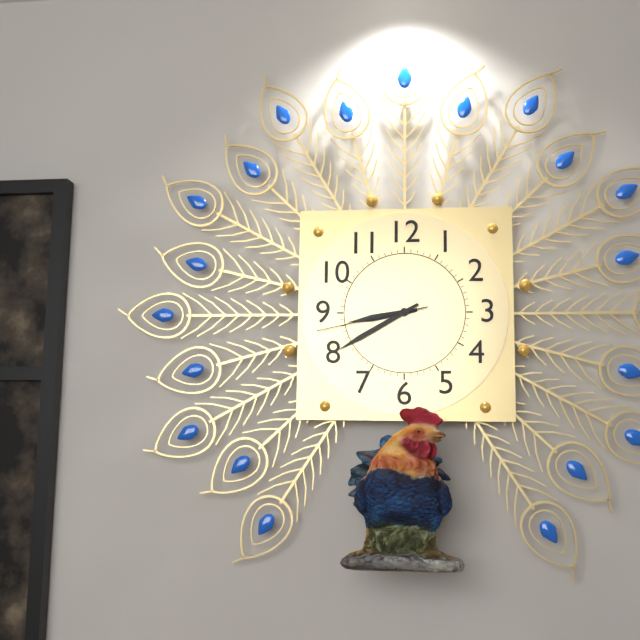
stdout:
8:40:43
